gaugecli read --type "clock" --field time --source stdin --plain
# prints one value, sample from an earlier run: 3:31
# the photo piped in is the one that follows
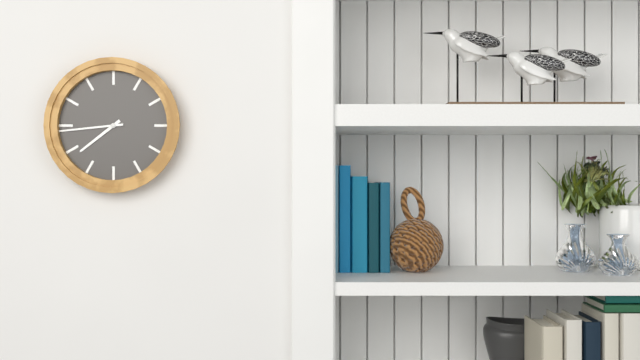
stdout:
7:44
